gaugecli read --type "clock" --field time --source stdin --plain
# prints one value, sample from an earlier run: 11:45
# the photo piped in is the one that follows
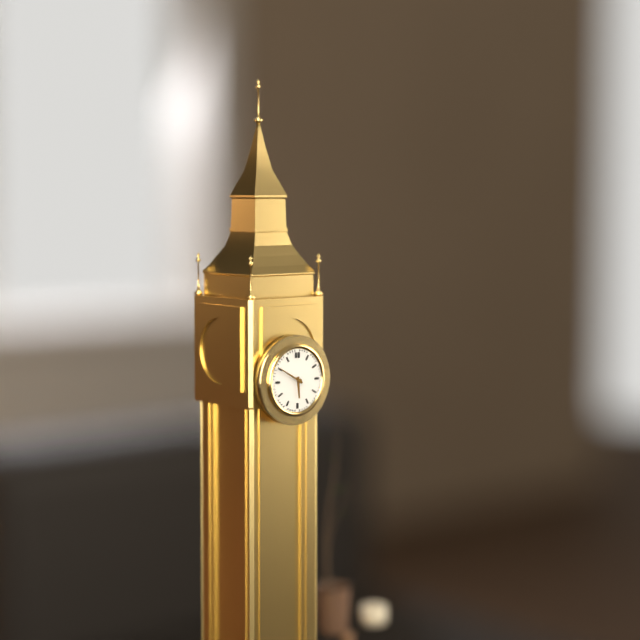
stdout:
5:50
